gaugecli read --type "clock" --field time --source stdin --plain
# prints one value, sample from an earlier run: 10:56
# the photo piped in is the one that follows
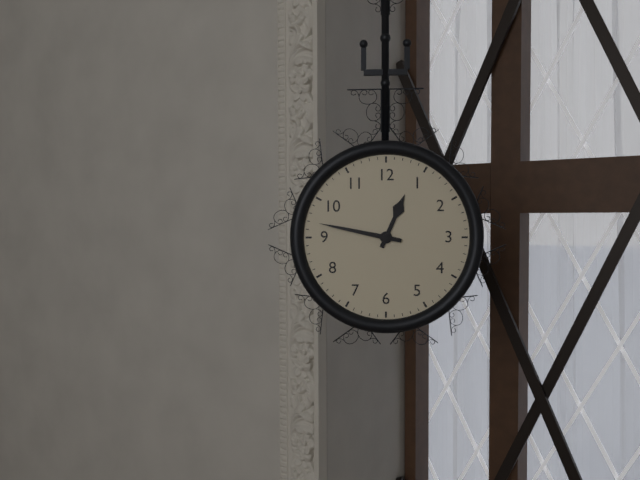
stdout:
12:47
